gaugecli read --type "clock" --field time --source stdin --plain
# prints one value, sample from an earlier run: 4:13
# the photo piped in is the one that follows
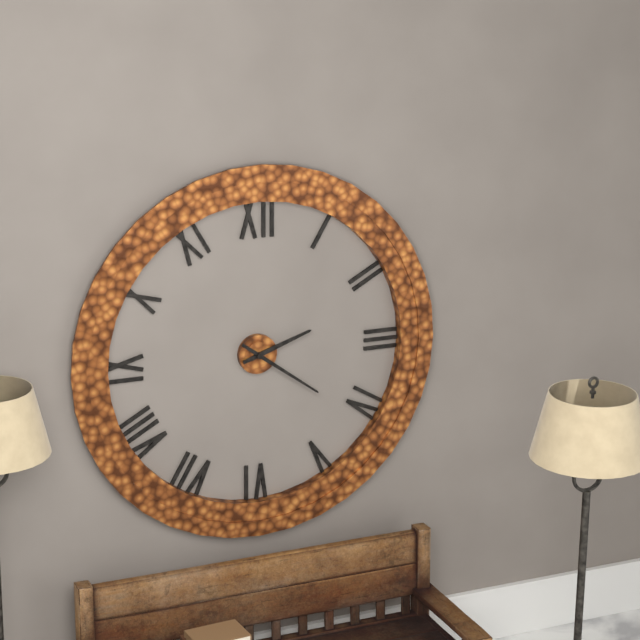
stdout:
2:21
